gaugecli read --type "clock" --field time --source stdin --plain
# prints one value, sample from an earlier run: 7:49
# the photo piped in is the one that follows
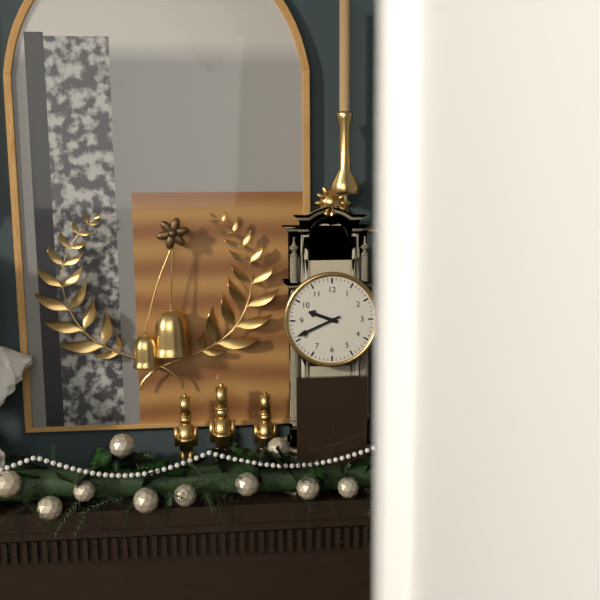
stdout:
9:41
